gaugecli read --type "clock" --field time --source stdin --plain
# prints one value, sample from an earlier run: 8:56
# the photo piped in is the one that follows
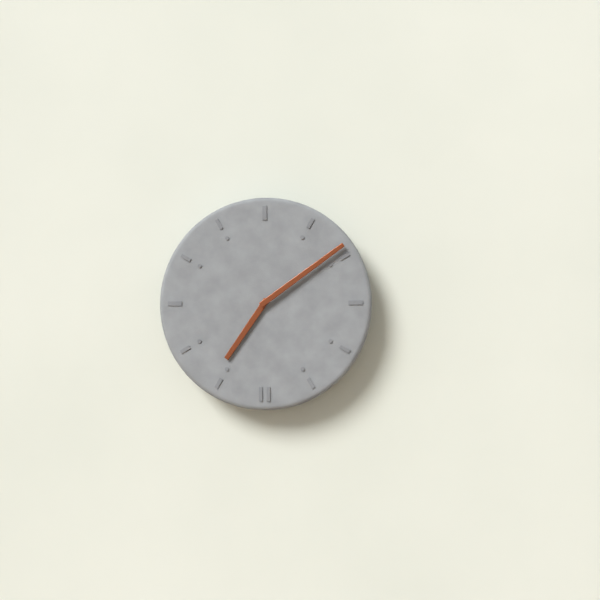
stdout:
7:09
